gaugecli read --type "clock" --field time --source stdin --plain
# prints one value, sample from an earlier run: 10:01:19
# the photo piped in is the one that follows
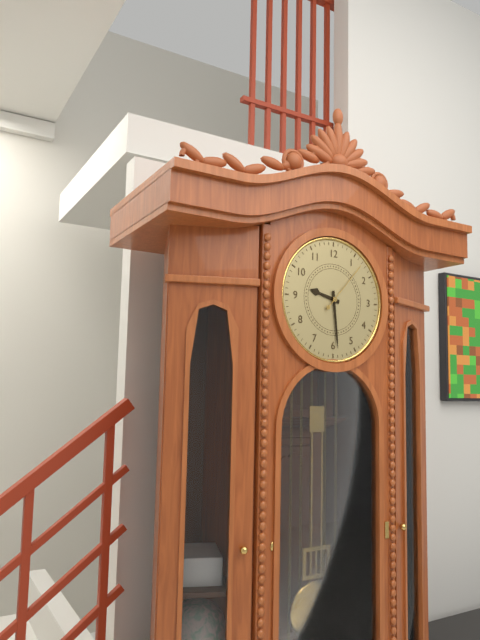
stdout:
9:29:07
